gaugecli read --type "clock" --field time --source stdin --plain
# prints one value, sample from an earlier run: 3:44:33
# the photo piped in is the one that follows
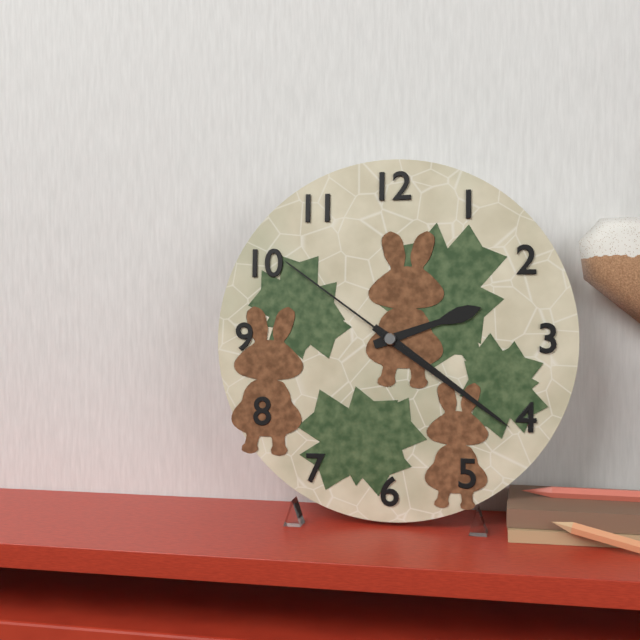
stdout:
2:21:51
